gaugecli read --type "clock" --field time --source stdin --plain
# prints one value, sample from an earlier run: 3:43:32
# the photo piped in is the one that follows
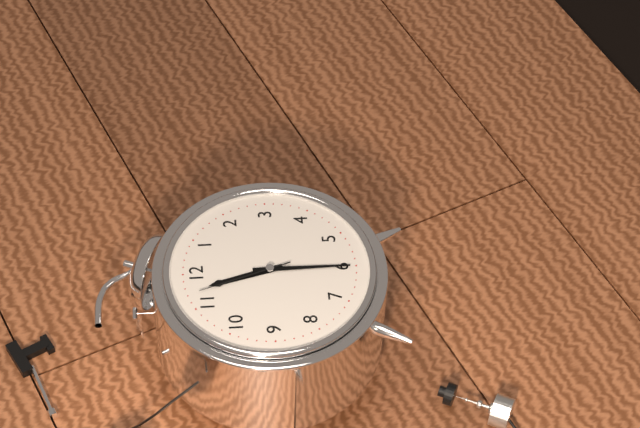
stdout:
11:30:57
